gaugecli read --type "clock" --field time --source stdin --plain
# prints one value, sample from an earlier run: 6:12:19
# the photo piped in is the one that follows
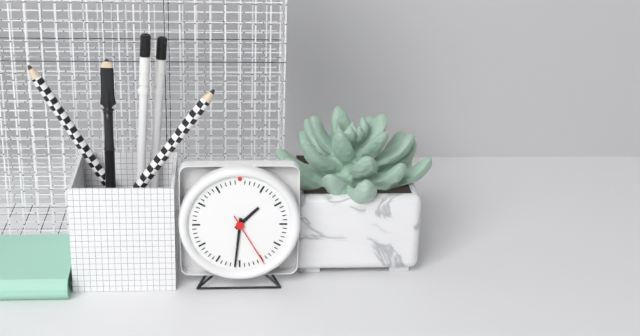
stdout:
1:31:25
